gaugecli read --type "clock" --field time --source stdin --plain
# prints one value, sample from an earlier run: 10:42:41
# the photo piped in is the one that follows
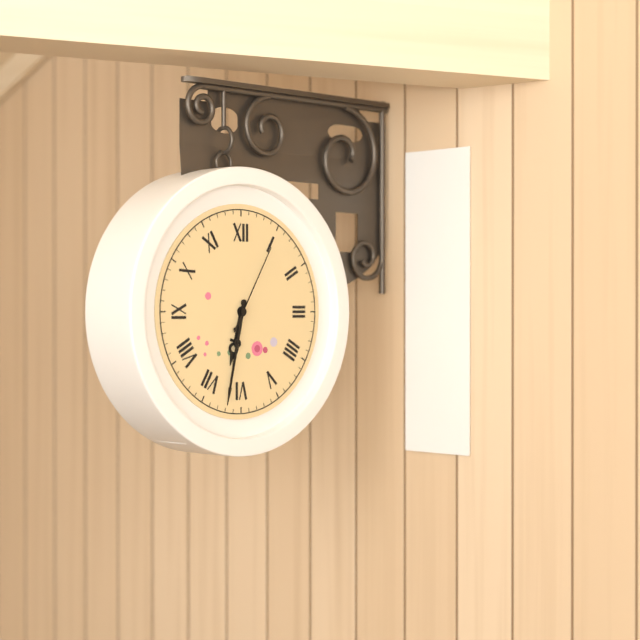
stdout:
6:32:05
